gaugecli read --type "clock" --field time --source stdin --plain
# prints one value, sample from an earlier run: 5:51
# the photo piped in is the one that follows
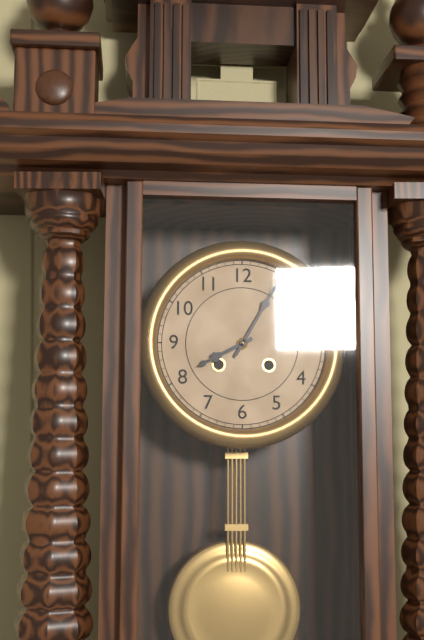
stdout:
8:05
